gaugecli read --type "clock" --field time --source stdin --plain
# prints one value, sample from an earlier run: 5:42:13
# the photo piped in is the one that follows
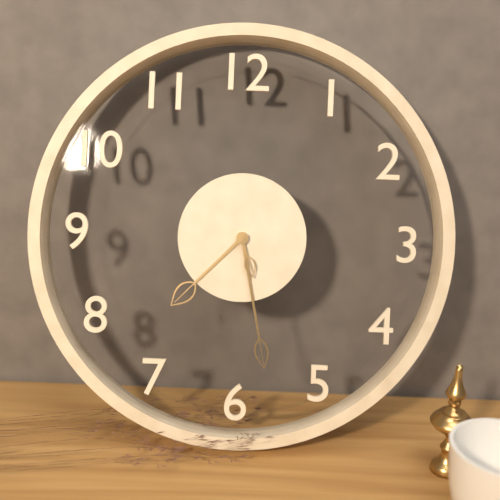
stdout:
7:28:27
